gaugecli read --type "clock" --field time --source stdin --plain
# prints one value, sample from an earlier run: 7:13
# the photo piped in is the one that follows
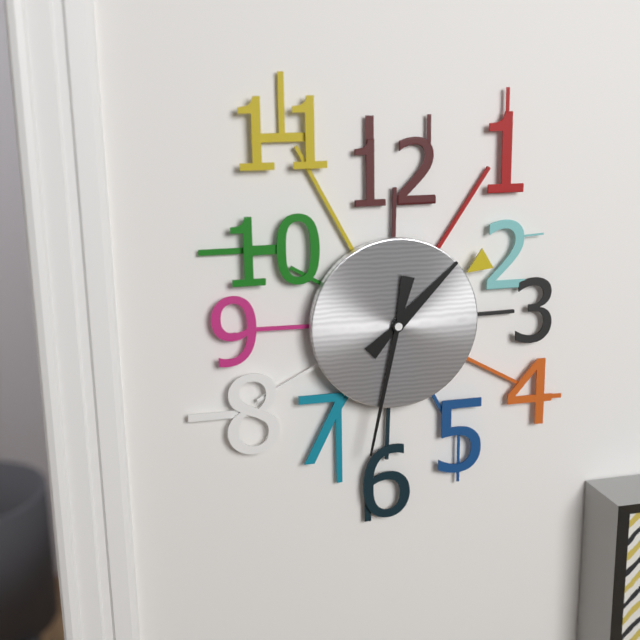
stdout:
1:32
